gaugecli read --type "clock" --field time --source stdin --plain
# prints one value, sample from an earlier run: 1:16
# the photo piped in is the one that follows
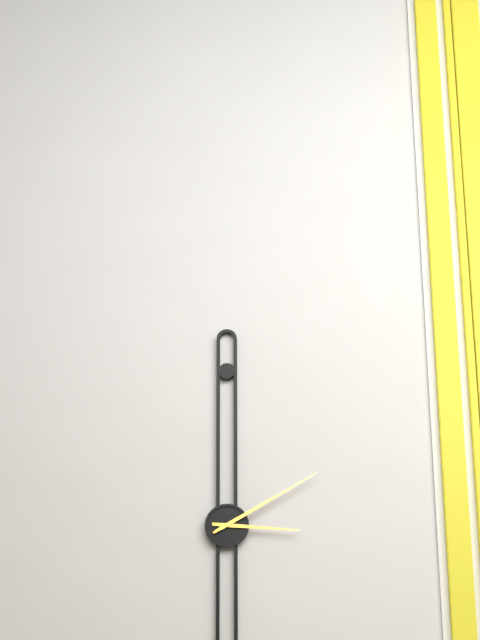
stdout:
3:10
